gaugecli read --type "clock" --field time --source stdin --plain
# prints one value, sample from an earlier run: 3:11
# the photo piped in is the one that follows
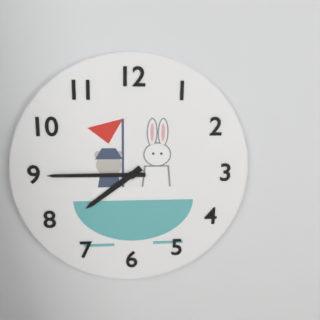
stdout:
7:45
